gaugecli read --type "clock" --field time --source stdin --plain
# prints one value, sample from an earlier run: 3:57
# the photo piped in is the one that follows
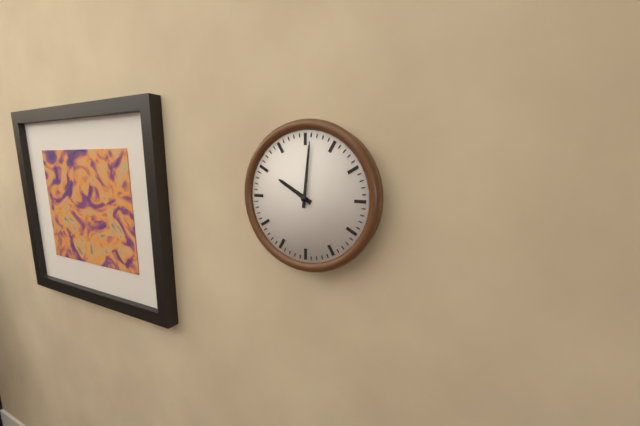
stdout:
10:01
